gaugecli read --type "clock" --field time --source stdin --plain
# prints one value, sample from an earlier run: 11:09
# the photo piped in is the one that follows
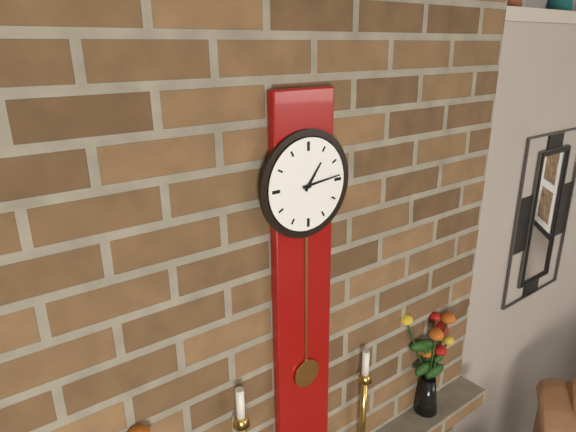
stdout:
1:14
